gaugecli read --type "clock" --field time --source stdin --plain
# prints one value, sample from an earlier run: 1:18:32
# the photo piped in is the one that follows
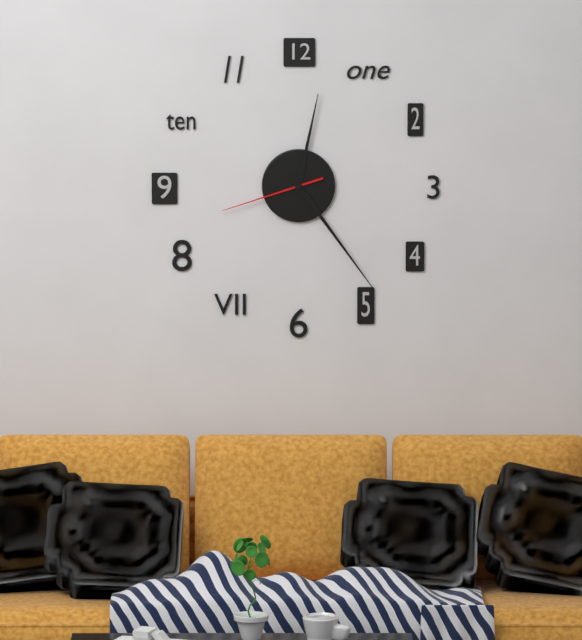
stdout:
12:24:42
